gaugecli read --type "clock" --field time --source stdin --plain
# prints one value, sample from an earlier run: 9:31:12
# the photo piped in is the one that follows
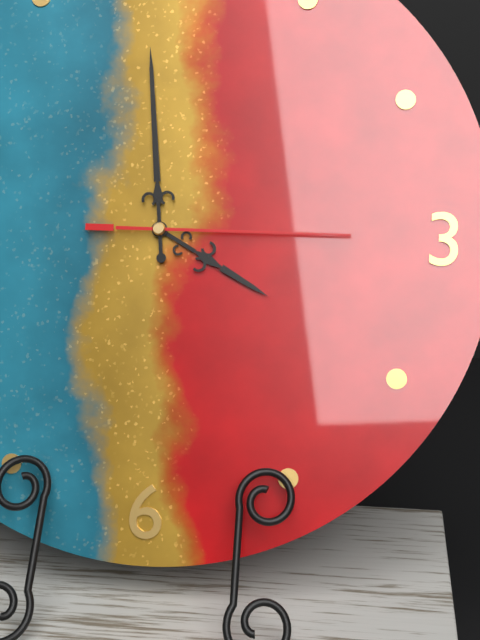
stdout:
3:59:15
